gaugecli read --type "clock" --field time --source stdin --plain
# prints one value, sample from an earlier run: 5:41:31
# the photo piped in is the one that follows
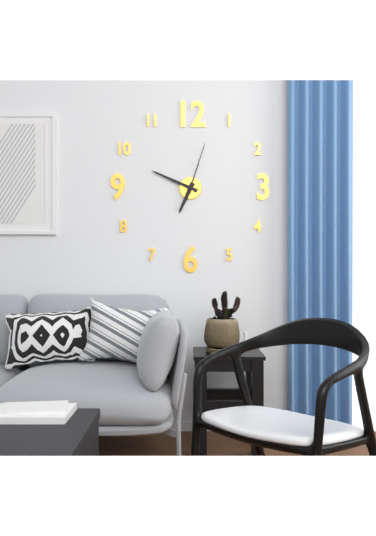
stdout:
6:49:03
